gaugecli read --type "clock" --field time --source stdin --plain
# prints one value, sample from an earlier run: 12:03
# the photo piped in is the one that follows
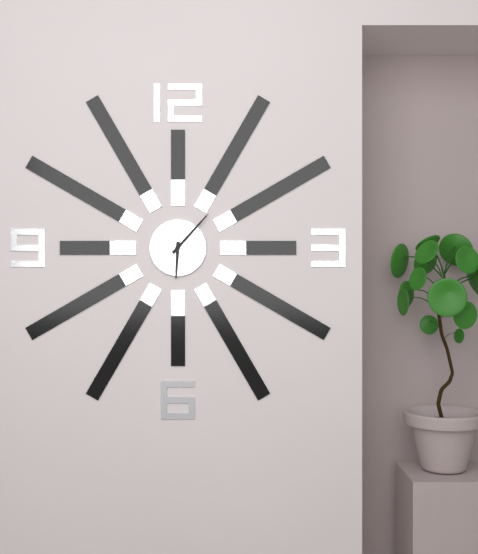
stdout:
6:07
